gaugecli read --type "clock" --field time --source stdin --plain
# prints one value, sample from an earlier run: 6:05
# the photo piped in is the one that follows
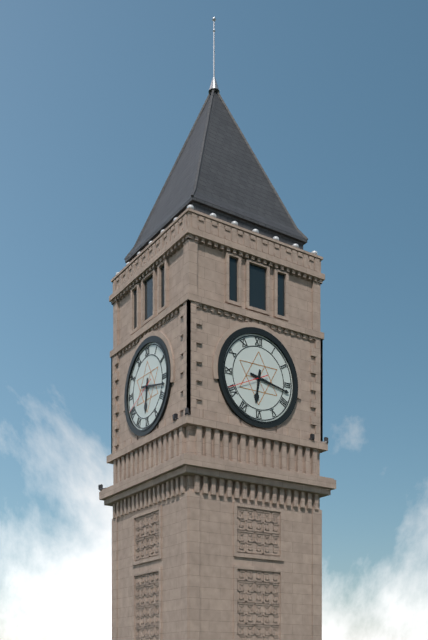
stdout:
6:17
